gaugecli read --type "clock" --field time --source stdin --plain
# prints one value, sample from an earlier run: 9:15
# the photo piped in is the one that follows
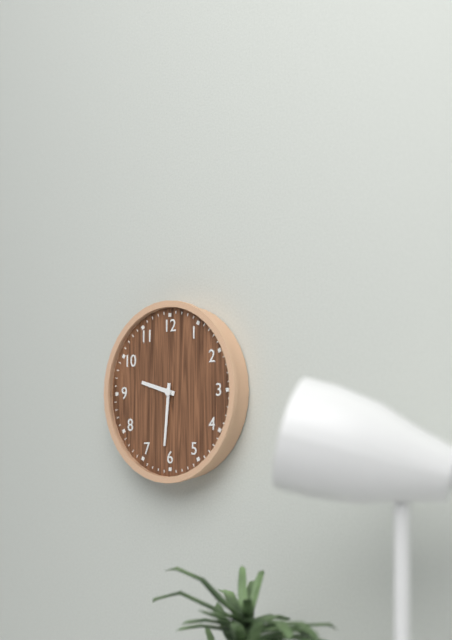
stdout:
9:31
